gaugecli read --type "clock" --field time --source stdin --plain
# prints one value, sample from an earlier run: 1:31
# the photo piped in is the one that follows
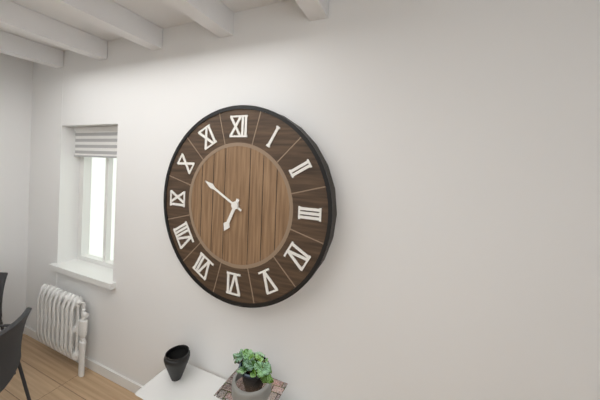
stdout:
6:50
